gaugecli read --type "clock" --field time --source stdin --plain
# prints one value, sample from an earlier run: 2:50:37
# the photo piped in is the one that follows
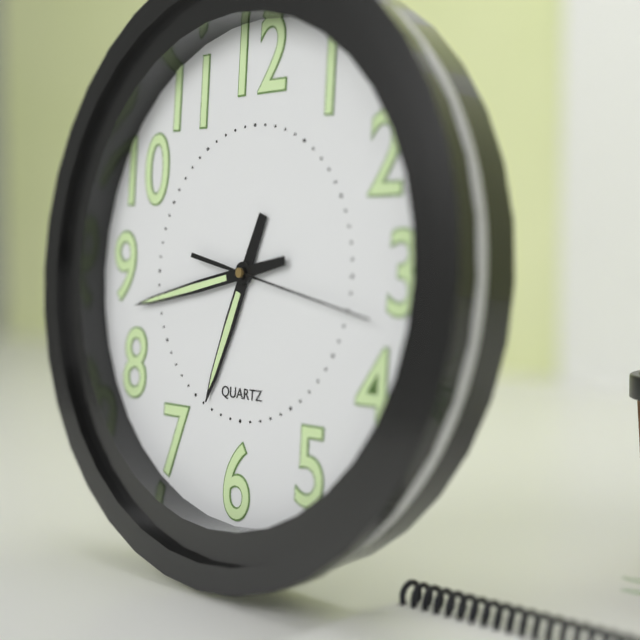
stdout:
6:43:17
